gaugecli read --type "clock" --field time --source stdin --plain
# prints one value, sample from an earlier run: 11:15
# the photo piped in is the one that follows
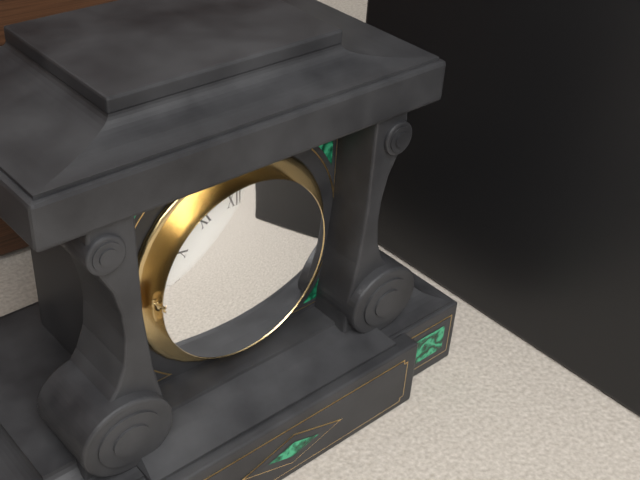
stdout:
12:34
